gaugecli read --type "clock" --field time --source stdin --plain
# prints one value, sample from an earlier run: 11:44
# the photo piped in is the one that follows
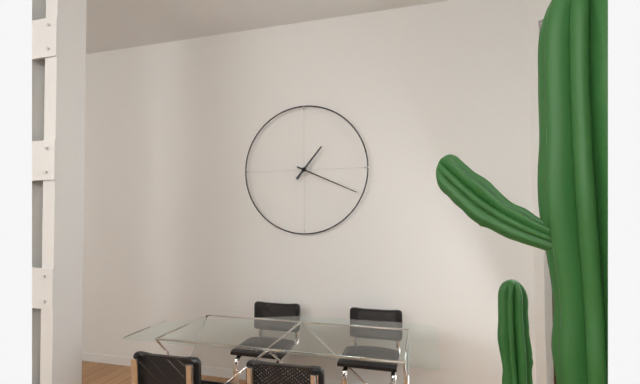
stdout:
1:19
